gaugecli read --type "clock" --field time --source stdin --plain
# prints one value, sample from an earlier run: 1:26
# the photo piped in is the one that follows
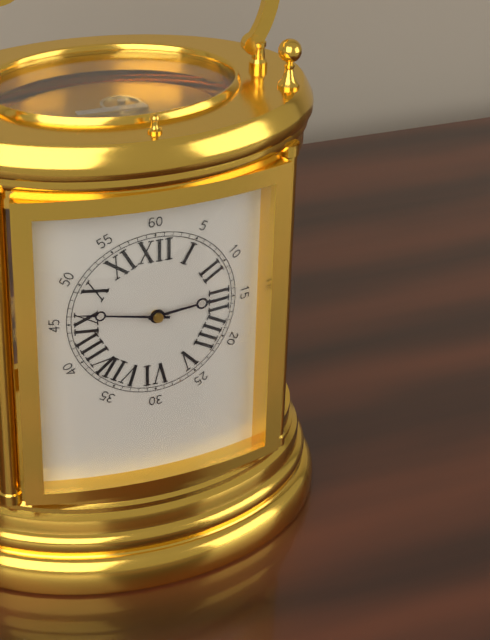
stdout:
2:47
